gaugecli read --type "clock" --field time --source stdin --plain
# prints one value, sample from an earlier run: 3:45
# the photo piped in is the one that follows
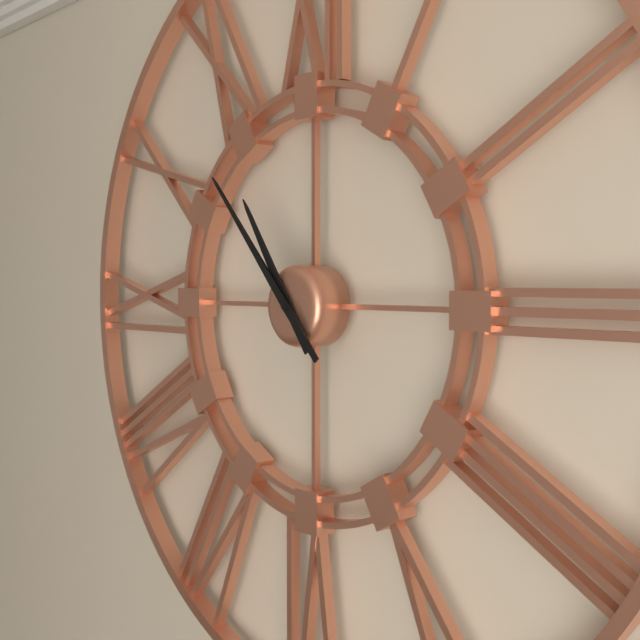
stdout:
10:53
